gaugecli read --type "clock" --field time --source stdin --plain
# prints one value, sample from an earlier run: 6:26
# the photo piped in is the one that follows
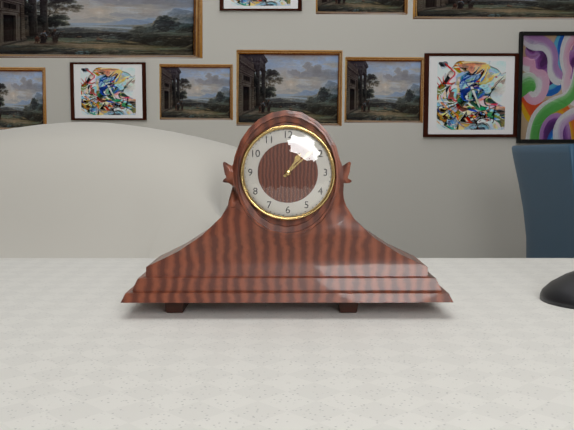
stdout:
1:08
